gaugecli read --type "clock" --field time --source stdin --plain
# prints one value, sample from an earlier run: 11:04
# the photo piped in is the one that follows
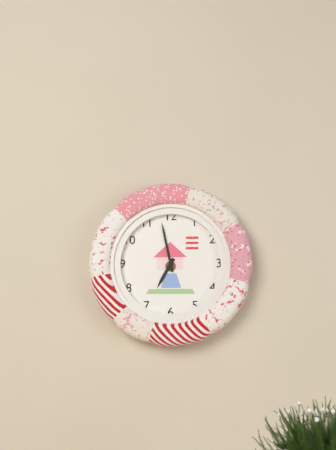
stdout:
6:58
